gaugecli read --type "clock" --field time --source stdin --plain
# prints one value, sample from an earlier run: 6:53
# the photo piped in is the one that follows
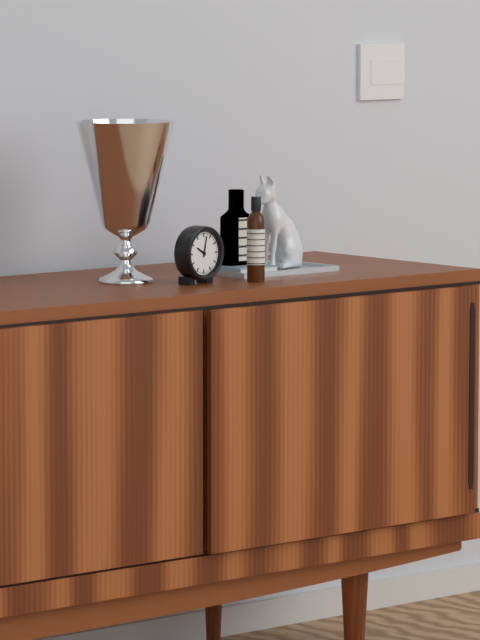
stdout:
10:02
